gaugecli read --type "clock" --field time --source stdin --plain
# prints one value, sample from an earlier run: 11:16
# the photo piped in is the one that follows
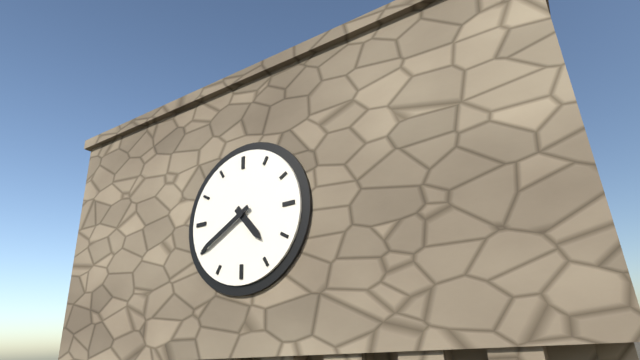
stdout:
4:40
